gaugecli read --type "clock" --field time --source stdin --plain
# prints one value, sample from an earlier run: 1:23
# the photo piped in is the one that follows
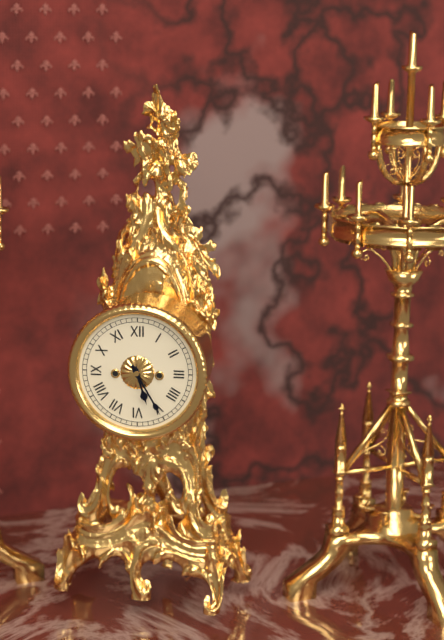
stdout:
5:25
